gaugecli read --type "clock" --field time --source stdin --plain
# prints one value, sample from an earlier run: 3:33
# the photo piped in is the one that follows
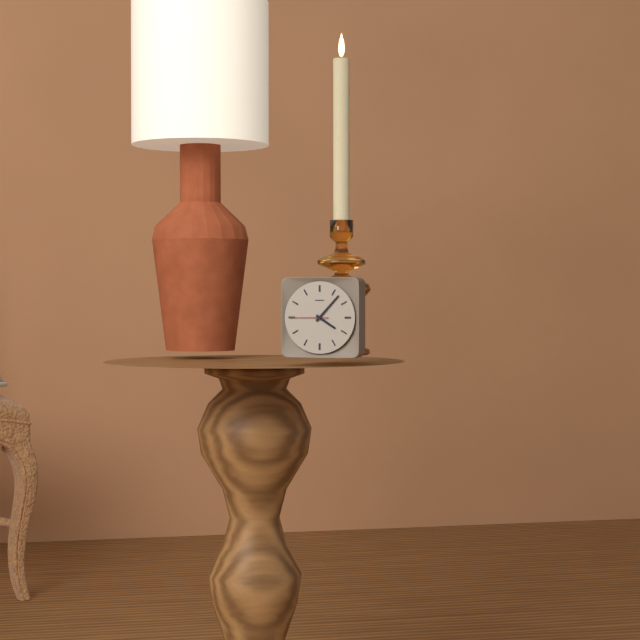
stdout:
4:07
